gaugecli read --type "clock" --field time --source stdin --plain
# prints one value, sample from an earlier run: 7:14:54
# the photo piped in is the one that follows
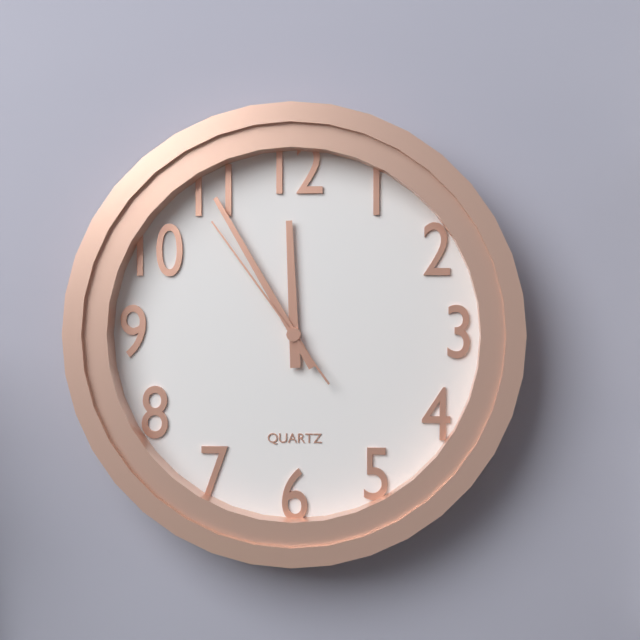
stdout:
11:55:54
